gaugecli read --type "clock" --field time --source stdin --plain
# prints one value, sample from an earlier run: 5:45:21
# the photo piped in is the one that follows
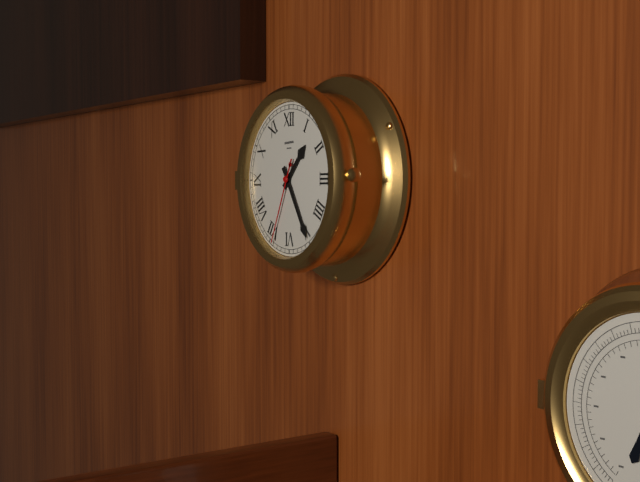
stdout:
1:25:34
